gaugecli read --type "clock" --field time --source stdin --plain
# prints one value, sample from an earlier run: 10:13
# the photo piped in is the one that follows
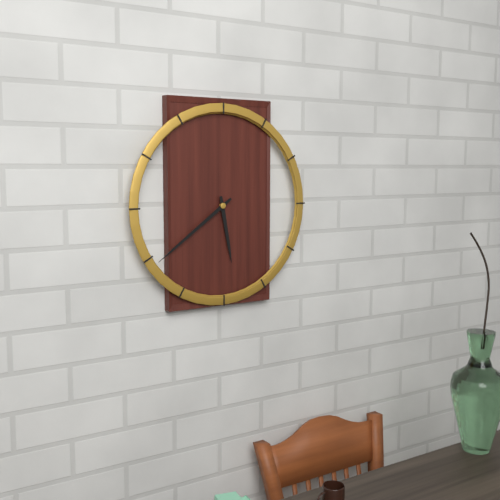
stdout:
5:39
